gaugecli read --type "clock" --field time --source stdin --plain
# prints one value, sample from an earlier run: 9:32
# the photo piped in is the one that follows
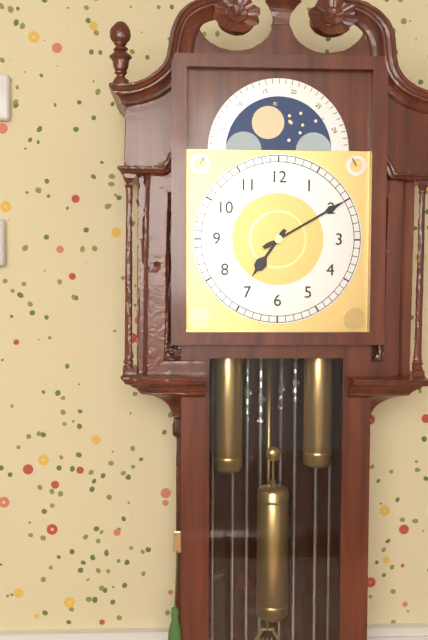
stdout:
7:10
